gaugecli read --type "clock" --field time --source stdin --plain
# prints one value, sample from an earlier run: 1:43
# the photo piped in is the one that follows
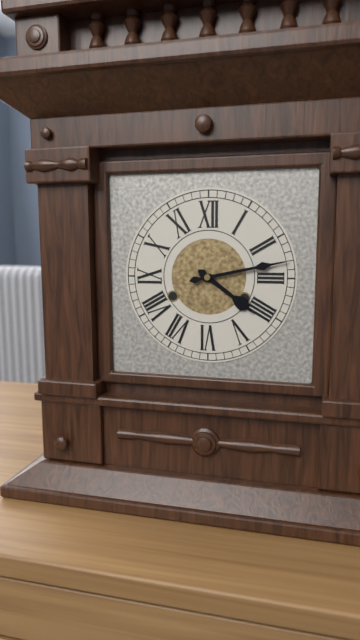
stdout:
4:13
